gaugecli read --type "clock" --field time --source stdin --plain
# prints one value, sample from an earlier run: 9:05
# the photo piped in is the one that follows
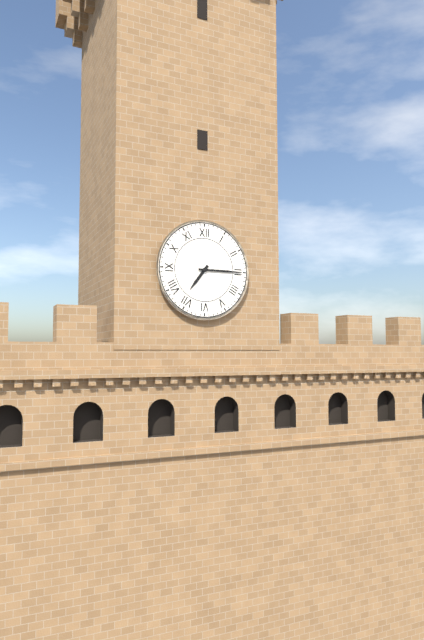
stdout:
7:15
